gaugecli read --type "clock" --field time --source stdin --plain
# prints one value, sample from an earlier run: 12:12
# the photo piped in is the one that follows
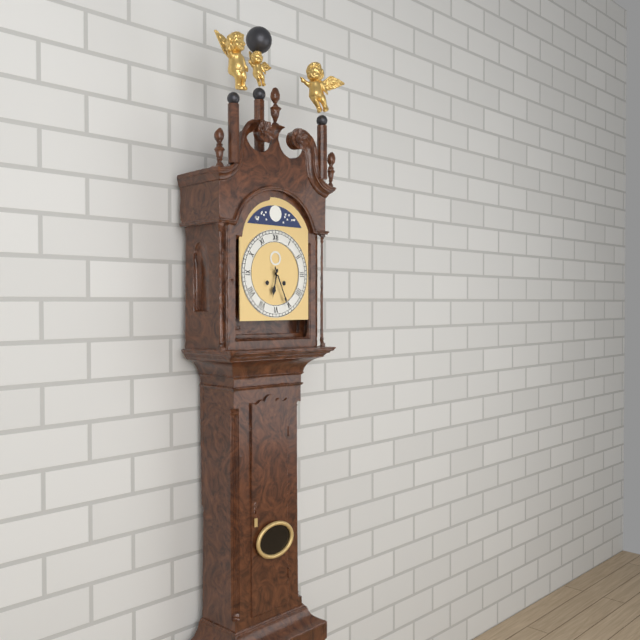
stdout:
6:26
